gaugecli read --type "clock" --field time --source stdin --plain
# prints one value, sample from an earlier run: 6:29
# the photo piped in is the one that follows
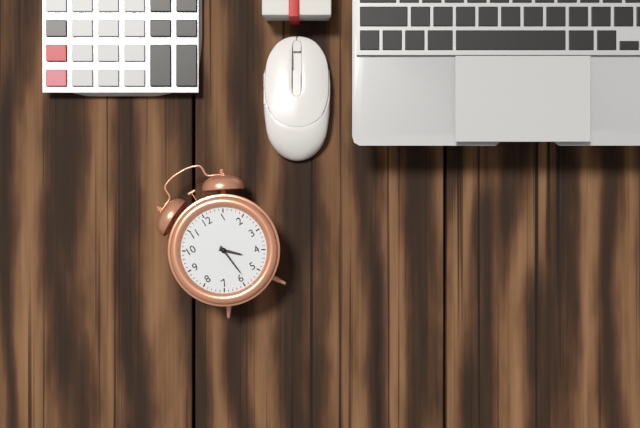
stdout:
4:29
